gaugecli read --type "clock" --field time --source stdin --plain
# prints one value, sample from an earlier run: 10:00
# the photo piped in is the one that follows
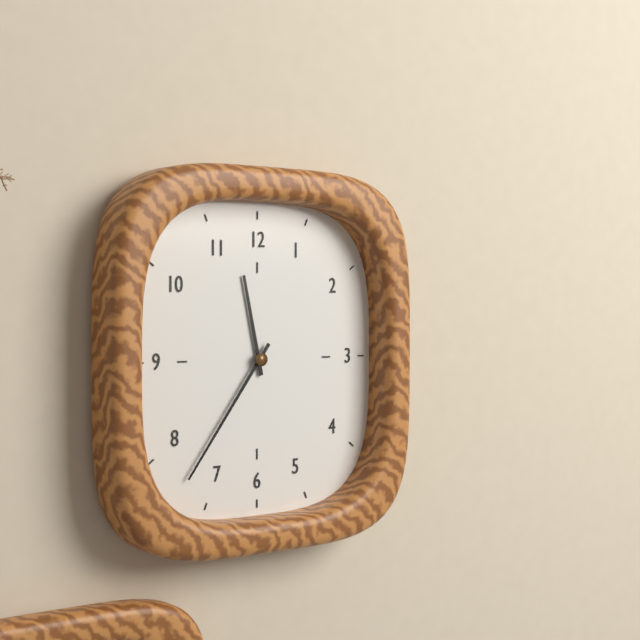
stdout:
11:36
